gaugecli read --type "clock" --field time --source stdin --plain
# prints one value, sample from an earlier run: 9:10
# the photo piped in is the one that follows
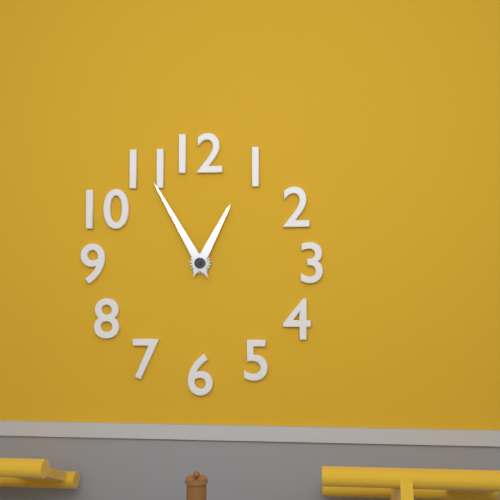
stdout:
12:55
